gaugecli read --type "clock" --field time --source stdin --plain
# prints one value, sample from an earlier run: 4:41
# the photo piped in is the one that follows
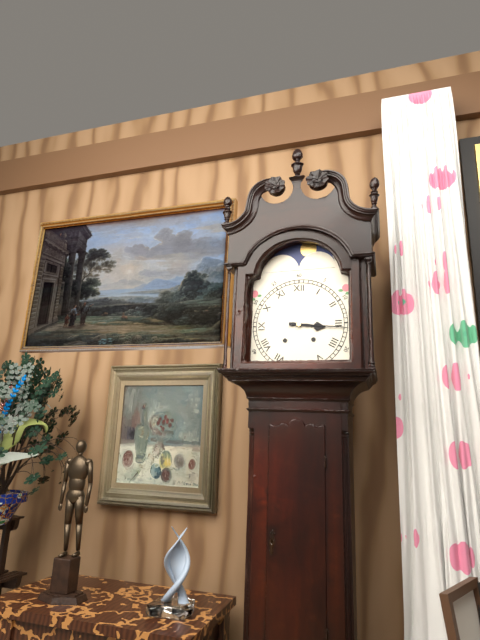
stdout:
3:16
